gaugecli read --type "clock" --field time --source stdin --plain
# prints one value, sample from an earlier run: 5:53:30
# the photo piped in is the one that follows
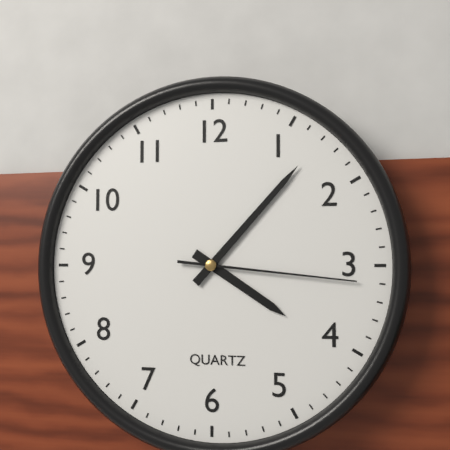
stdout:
4:07:16
